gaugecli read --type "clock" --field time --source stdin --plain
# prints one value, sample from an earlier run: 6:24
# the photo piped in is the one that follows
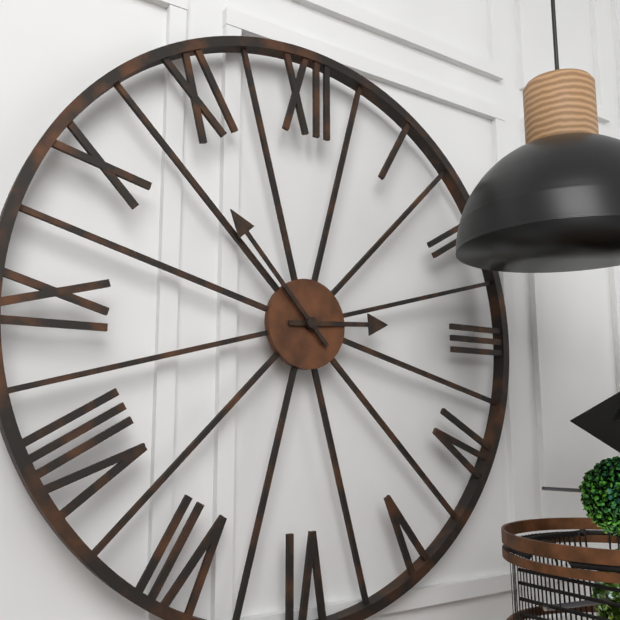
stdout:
2:53
